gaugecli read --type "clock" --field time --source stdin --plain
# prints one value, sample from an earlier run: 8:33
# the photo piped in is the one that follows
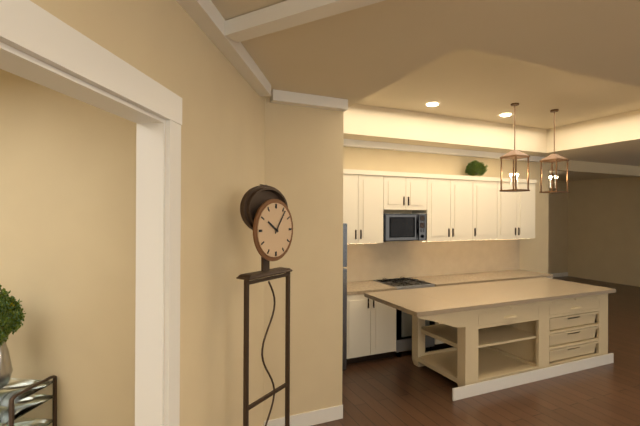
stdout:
10:06
